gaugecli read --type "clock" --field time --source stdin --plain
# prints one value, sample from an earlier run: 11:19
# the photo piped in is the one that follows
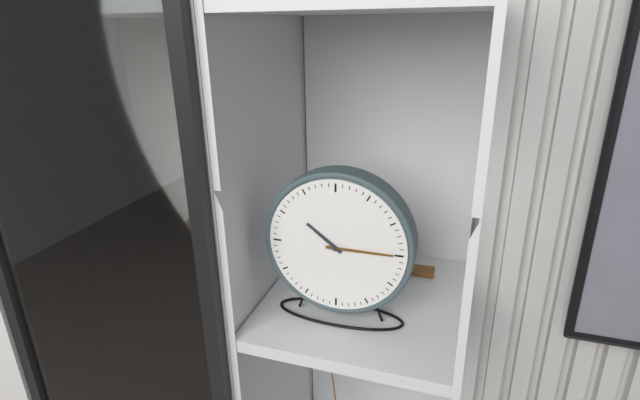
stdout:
10:15
